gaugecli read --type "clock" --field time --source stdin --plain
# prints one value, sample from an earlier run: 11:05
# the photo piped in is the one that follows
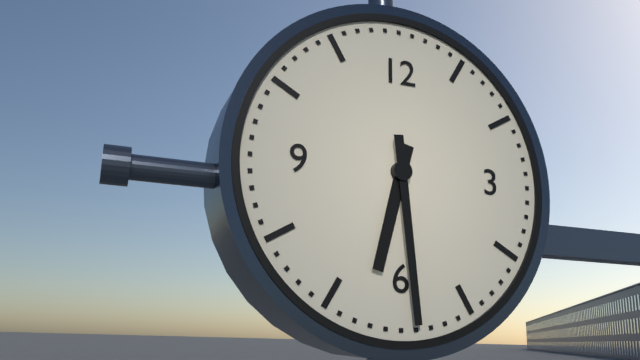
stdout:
6:29
